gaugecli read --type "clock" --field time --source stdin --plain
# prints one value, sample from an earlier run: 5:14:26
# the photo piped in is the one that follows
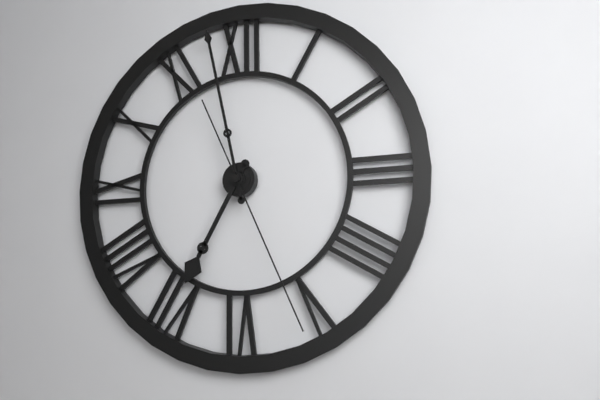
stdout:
6:58:26
